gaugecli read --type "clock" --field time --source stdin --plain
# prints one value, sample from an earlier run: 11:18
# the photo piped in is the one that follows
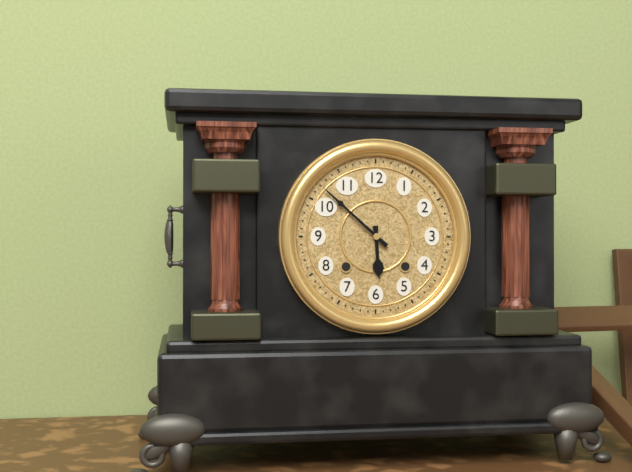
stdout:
5:52
